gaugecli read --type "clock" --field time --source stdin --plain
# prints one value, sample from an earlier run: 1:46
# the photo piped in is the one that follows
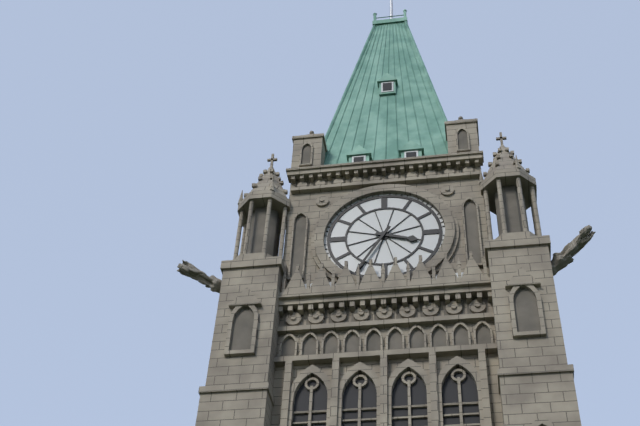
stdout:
3:35
